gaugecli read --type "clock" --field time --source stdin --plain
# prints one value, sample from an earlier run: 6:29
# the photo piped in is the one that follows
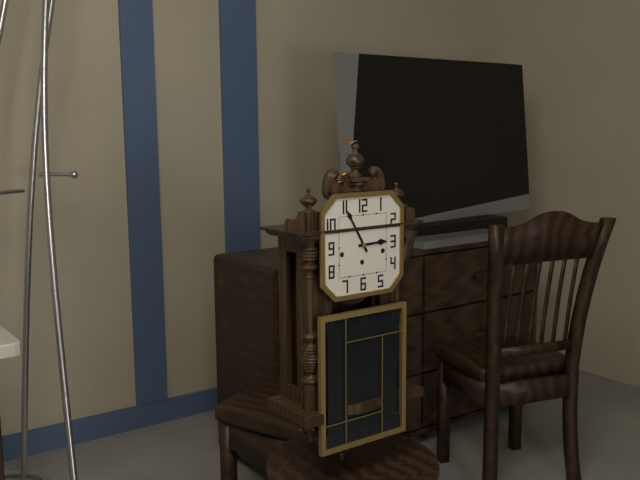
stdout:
2:55
